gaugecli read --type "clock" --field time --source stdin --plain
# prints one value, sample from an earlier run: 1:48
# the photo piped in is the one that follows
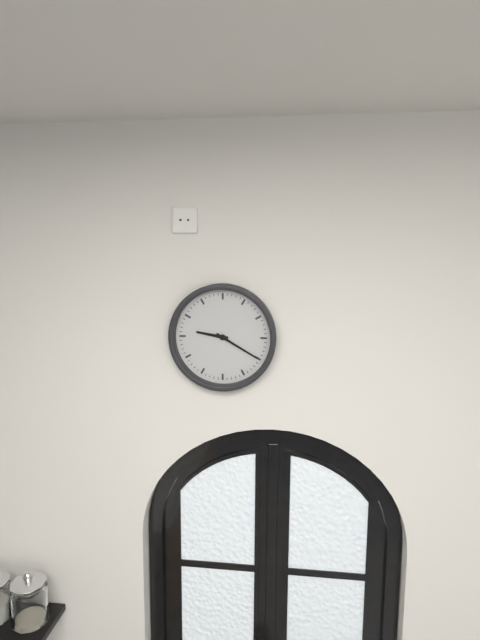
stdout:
9:20
